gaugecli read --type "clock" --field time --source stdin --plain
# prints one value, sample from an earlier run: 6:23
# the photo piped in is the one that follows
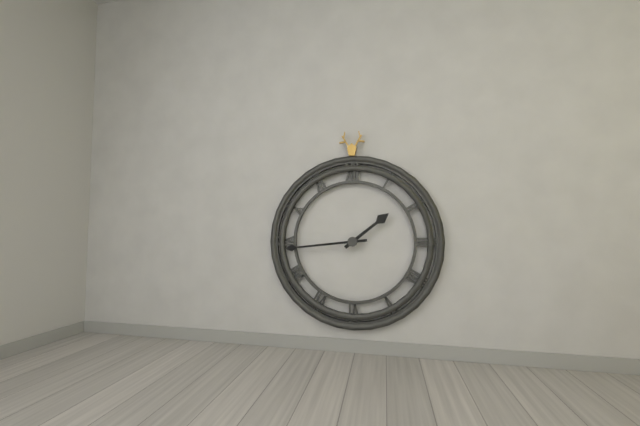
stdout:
1:44
